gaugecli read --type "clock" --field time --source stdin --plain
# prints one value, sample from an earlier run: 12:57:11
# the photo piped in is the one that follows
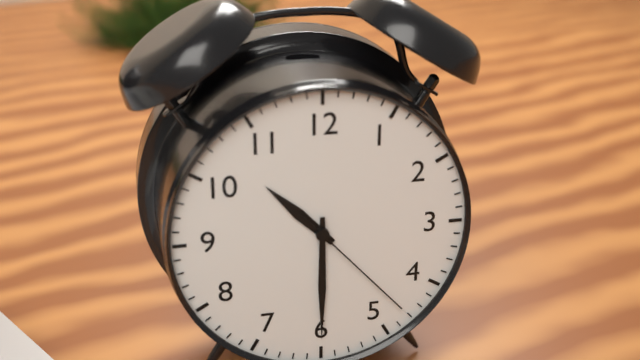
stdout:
10:30:23
